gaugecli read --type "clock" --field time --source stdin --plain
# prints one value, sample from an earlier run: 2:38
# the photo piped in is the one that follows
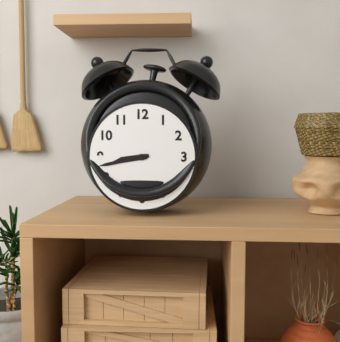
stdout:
8:43
